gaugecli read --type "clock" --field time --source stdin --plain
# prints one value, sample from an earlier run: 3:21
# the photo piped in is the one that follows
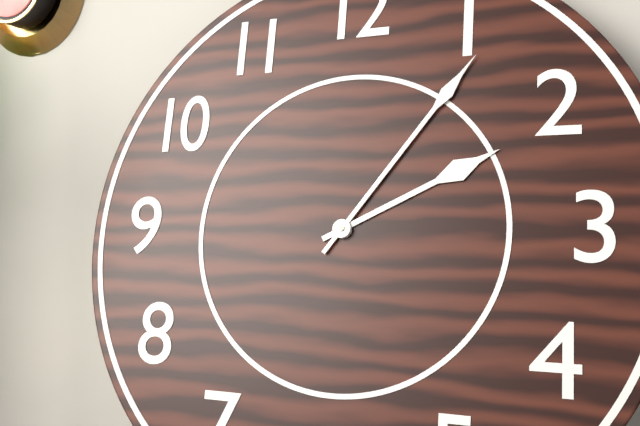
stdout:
2:06
